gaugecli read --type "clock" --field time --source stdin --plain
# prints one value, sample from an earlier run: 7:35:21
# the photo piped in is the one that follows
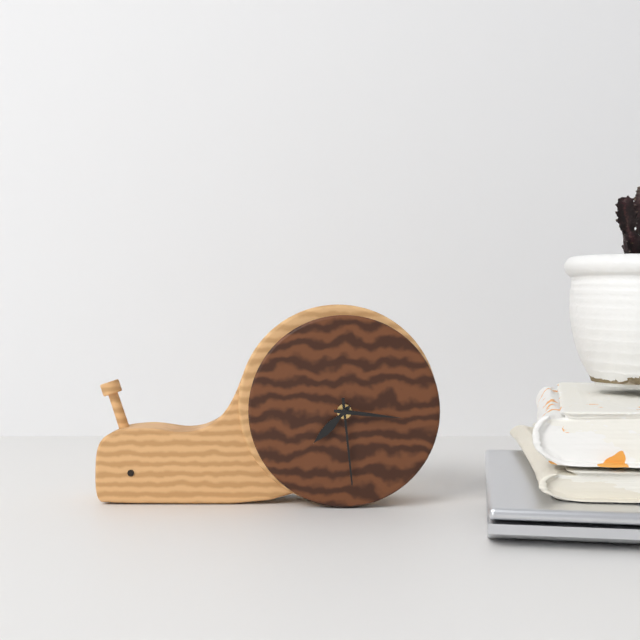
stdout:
7:29:16
